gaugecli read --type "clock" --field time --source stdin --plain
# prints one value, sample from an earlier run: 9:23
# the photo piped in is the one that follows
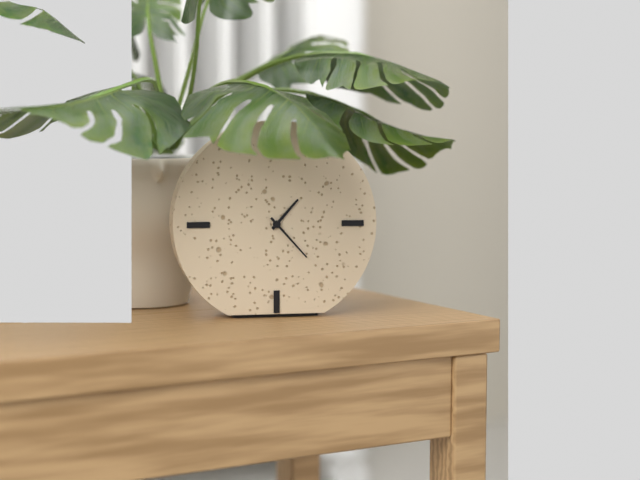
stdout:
1:23
